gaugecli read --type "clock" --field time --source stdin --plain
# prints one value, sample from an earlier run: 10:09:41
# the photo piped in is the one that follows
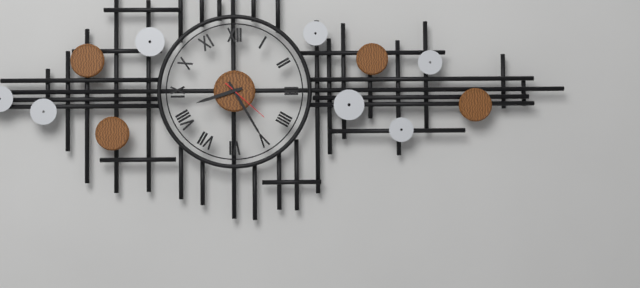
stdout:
8:25:22
